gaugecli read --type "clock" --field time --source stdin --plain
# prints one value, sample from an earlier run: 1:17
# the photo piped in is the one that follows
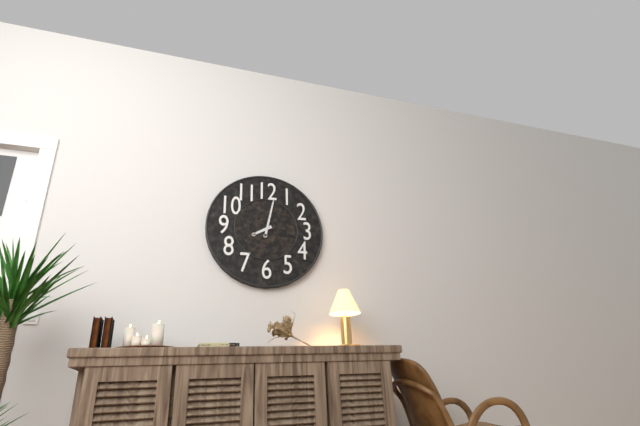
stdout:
8:02
